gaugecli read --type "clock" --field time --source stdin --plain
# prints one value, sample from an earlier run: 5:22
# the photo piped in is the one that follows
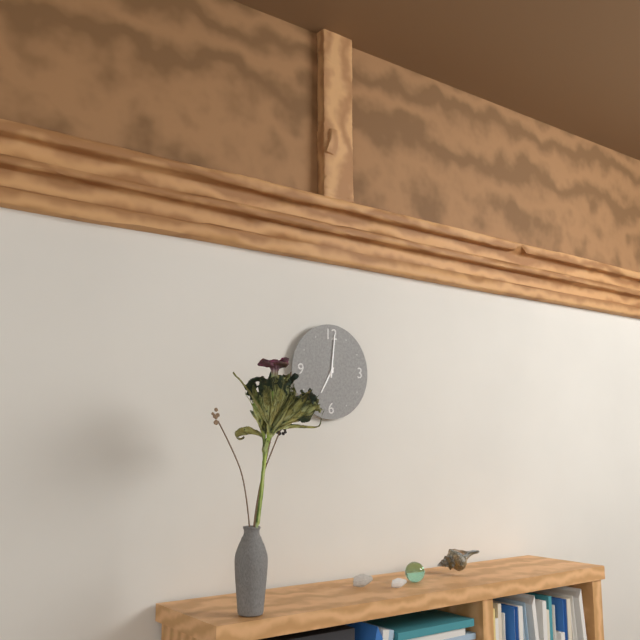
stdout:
7:01
